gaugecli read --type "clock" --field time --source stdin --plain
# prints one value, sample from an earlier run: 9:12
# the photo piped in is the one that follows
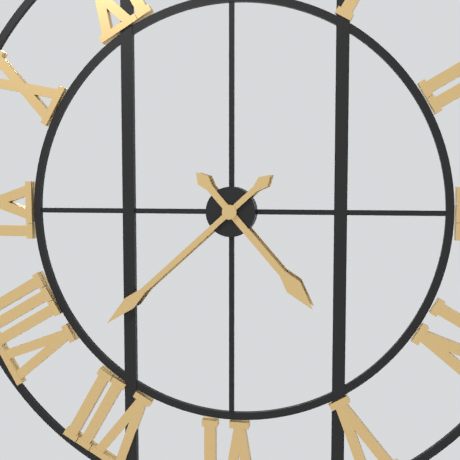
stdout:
4:38
